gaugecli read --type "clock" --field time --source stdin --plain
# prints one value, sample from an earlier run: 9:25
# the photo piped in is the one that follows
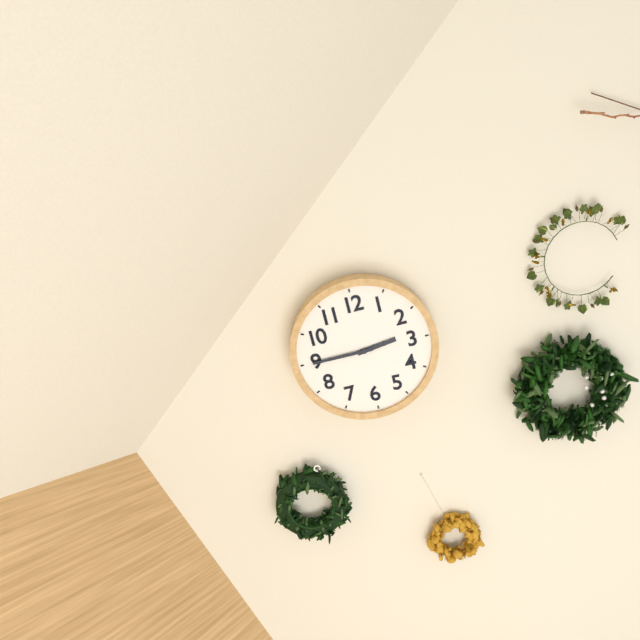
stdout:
2:45
